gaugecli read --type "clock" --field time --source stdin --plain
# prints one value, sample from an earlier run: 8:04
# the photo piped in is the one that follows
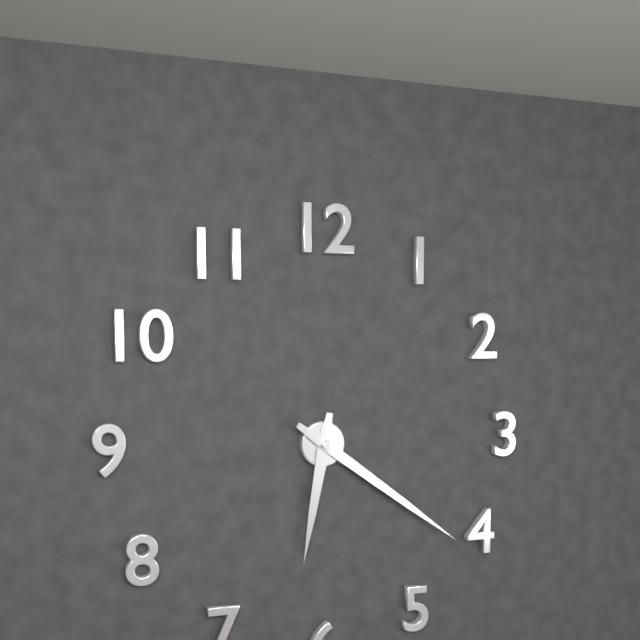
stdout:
6:21
